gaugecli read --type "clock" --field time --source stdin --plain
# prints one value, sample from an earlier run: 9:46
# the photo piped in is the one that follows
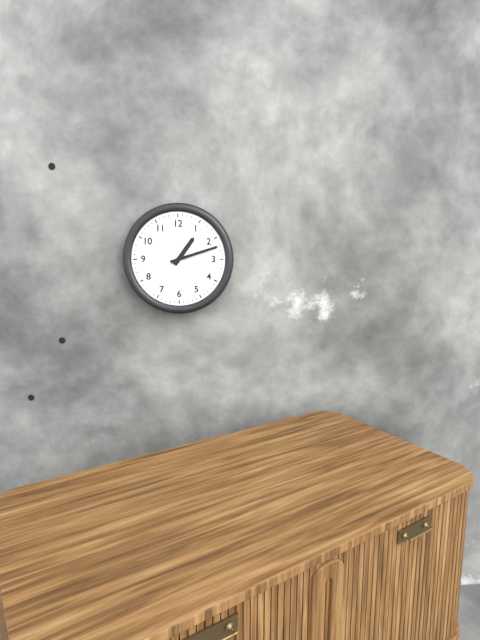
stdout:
1:12
